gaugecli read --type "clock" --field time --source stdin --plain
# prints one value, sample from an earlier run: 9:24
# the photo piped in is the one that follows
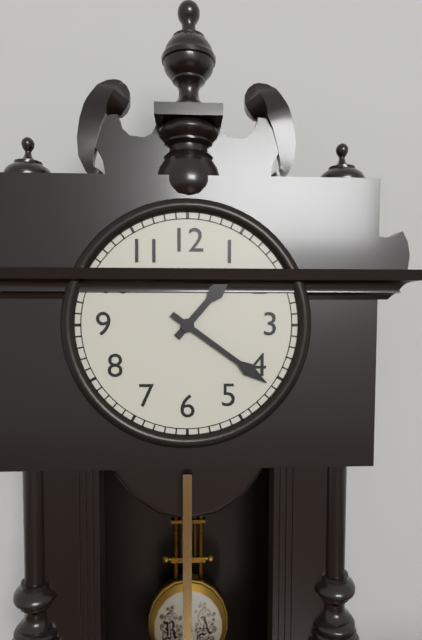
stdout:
1:21
